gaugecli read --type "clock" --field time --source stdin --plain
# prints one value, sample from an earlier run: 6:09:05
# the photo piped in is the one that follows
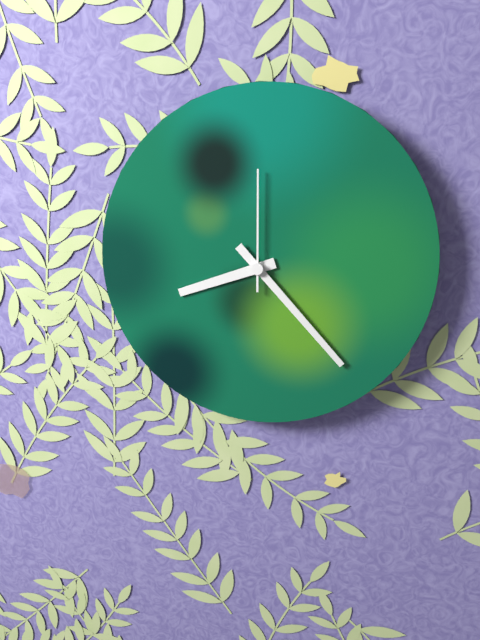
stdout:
8:23:00
